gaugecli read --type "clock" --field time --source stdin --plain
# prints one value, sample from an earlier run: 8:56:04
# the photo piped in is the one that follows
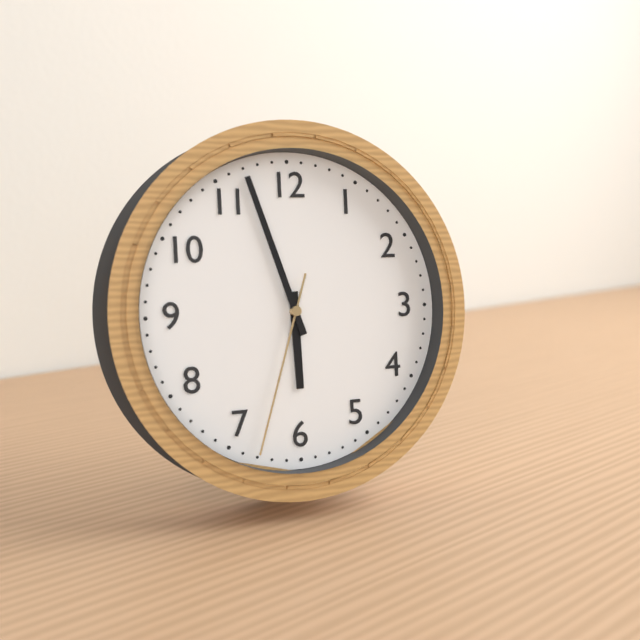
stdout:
5:57:33
